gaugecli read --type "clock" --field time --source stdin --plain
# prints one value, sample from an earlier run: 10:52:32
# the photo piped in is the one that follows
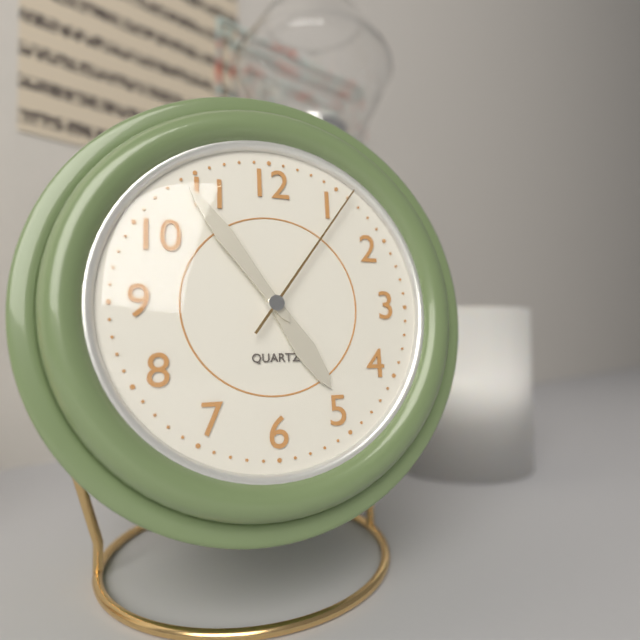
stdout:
4:54:06
